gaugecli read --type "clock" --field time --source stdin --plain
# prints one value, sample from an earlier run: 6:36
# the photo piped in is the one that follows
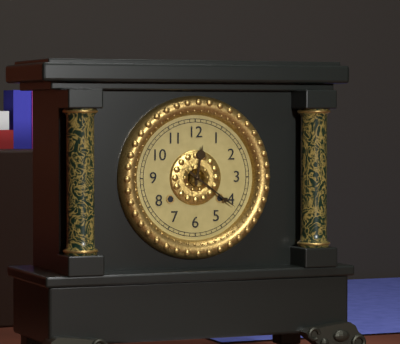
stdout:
12:21
